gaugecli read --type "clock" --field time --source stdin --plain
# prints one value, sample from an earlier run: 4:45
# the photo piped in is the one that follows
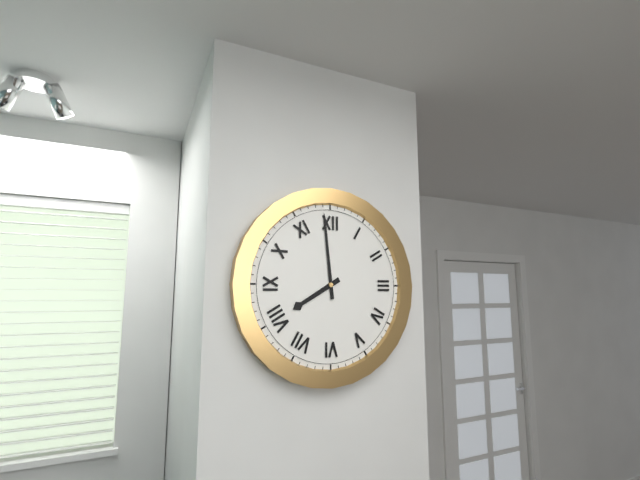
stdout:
7:59
